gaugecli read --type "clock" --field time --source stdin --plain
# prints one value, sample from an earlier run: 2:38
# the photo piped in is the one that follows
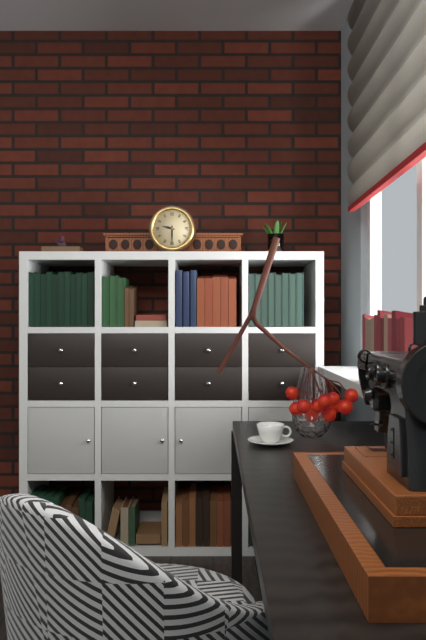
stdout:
9:30
